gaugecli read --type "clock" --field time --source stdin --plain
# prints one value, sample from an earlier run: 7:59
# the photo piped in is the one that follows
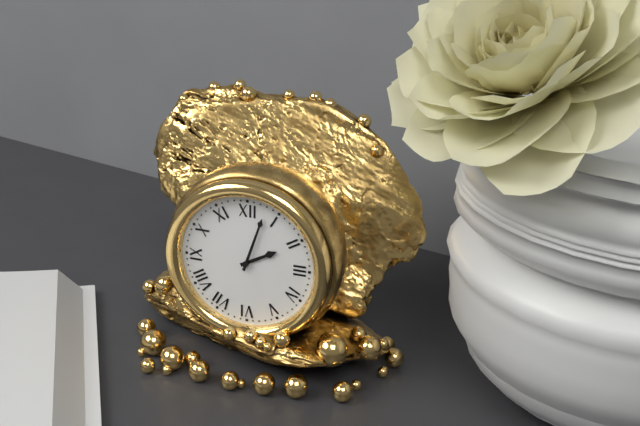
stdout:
2:03
